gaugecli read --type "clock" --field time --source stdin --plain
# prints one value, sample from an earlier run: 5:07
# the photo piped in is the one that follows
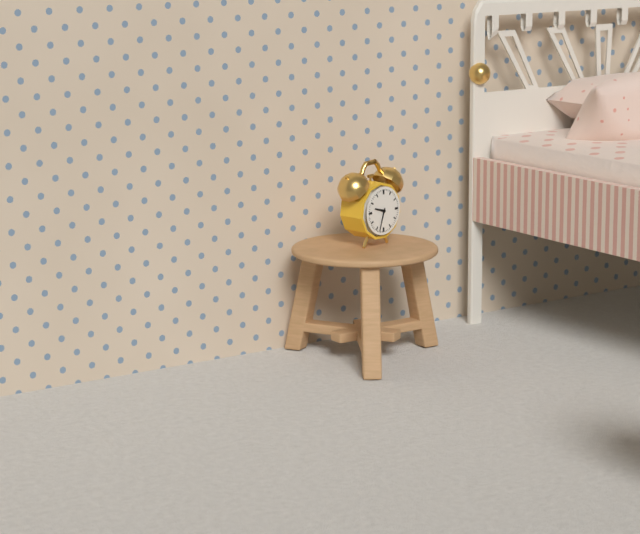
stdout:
9:33
